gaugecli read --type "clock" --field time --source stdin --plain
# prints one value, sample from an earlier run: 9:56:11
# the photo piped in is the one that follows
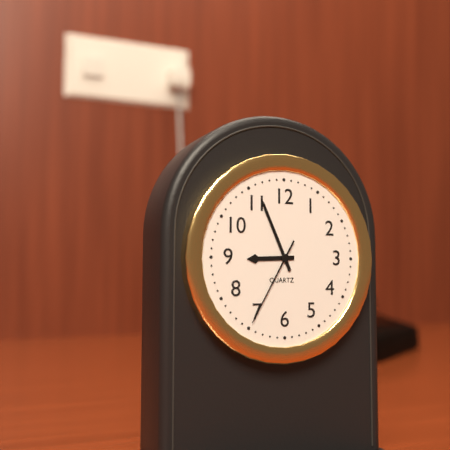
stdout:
8:56:35
